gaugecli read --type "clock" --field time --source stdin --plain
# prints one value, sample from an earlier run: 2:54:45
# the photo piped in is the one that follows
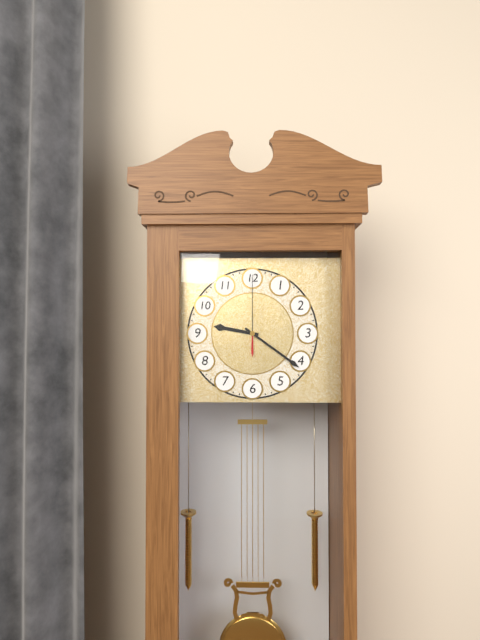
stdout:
9:21:00
